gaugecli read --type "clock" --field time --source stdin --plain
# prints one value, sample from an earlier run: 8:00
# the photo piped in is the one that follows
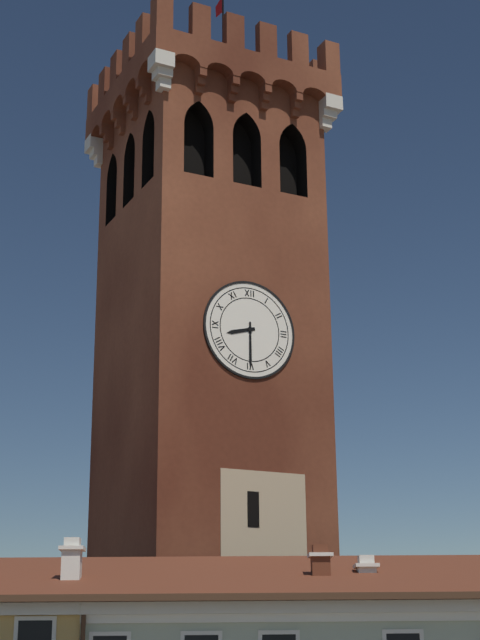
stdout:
8:30
